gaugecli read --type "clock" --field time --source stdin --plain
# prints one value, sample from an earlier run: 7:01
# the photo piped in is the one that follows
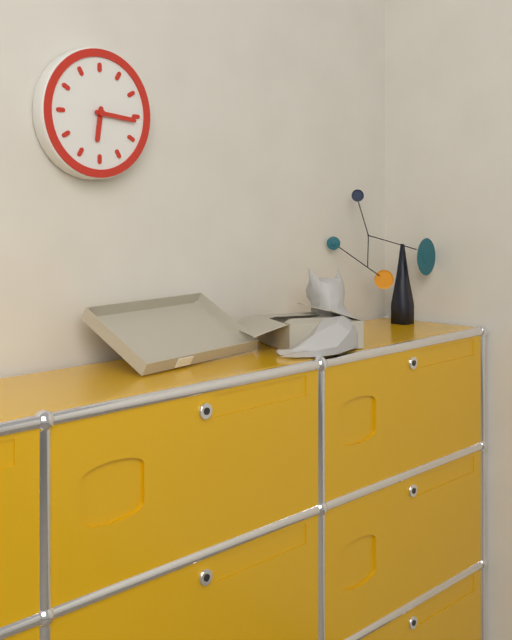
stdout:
6:16
